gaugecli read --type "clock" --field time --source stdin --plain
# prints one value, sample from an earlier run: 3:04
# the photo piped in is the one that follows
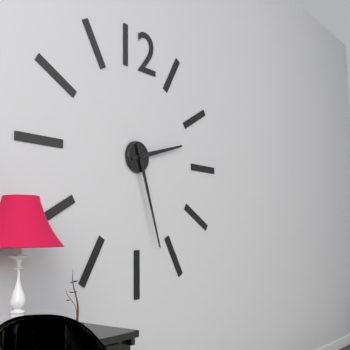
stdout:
2:27
